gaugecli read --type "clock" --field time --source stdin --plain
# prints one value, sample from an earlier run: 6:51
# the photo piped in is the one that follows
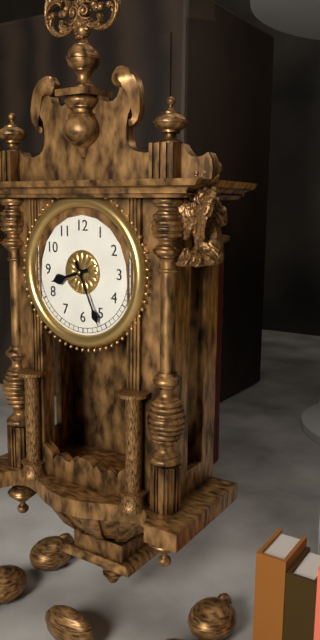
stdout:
8:26
